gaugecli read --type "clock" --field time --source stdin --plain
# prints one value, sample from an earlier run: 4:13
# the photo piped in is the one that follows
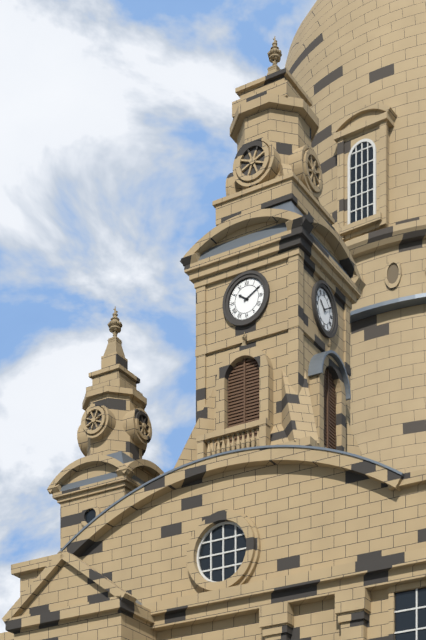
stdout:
10:10
